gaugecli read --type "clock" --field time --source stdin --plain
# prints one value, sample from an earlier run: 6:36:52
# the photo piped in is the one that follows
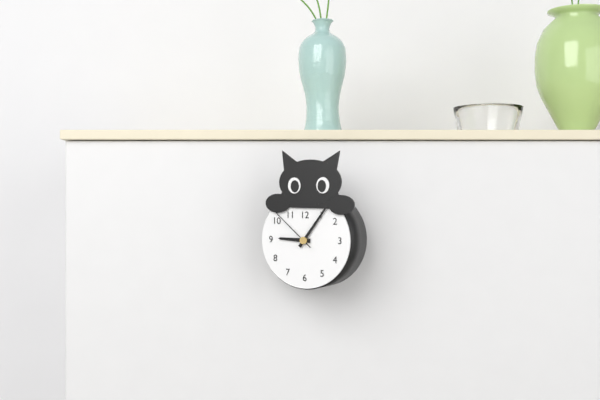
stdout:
9:06:52
